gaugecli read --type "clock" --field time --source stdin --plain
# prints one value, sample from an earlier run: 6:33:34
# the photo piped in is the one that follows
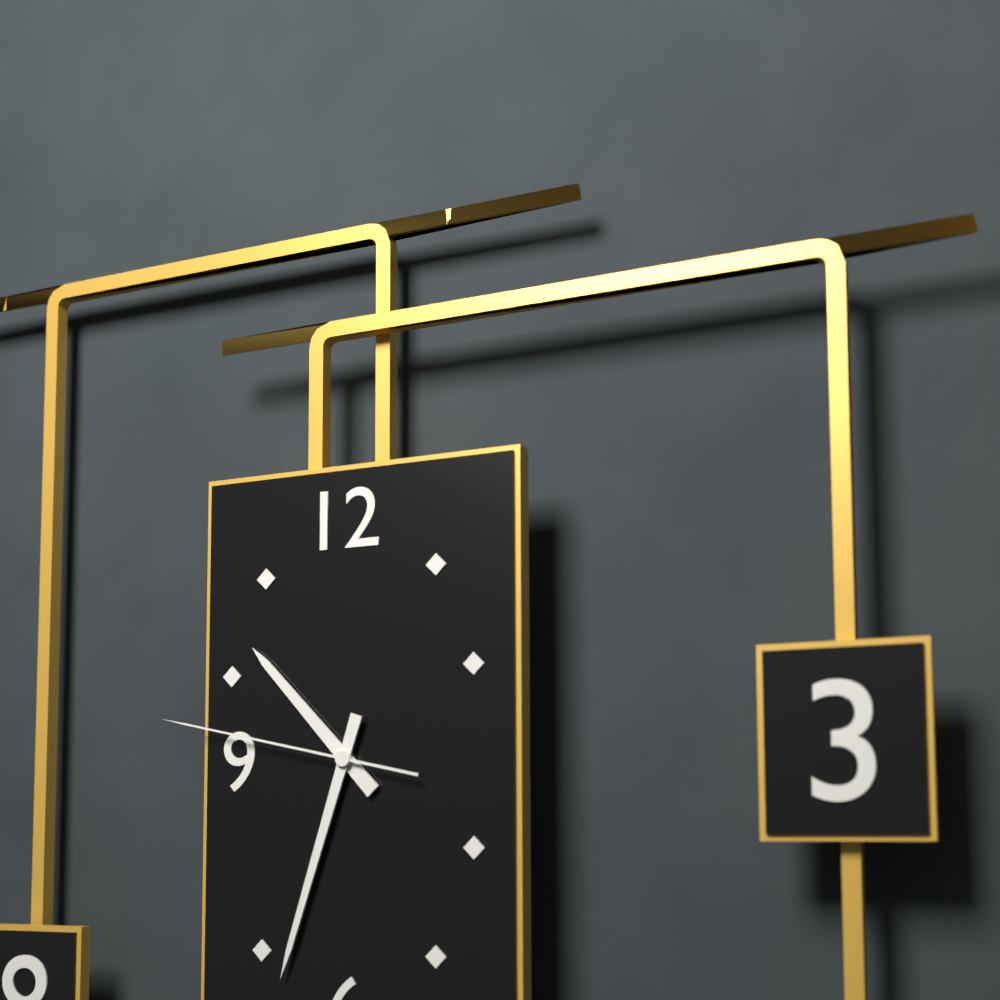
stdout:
10:33:47
